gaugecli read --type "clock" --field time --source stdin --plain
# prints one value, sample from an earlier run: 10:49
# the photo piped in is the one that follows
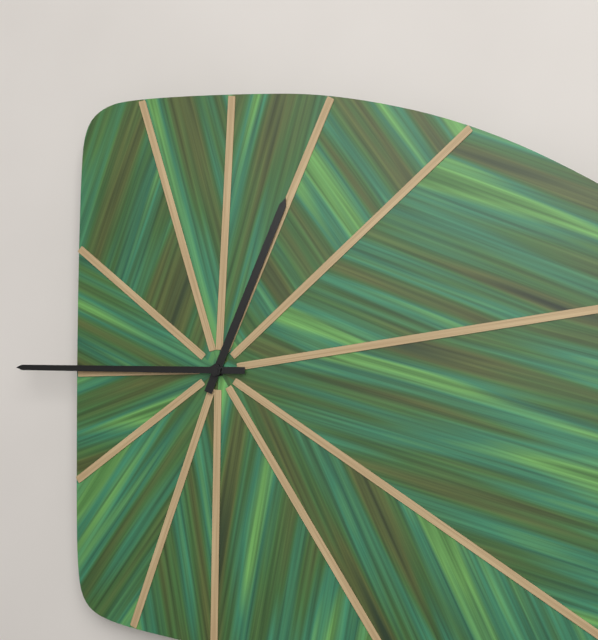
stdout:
12:45
